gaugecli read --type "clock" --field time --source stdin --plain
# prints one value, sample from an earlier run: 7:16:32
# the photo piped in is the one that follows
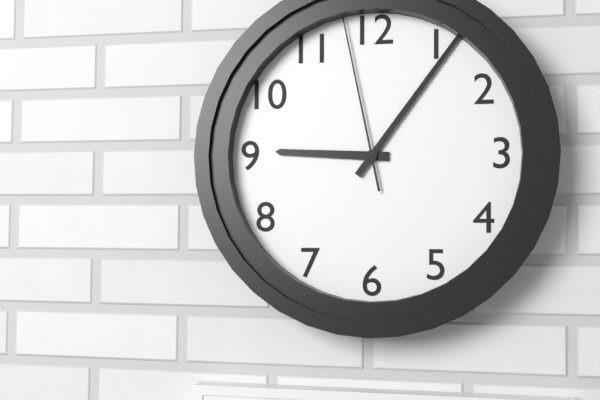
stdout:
9:06:58
